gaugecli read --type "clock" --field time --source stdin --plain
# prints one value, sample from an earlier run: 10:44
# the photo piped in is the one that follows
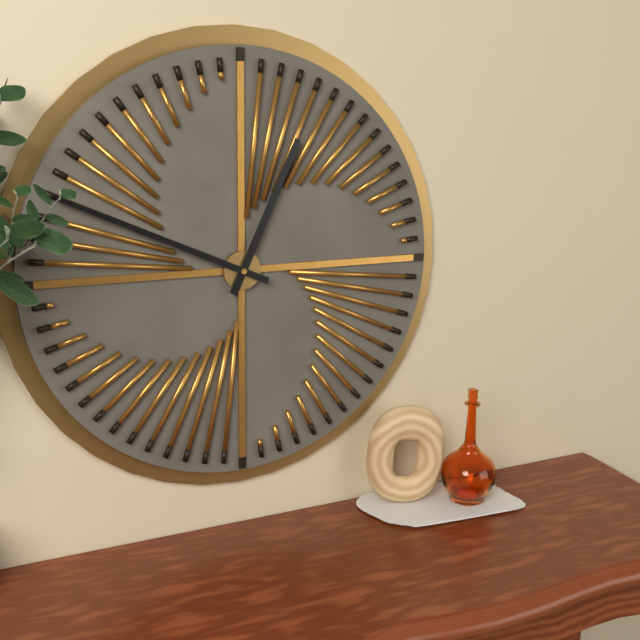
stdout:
12:49
